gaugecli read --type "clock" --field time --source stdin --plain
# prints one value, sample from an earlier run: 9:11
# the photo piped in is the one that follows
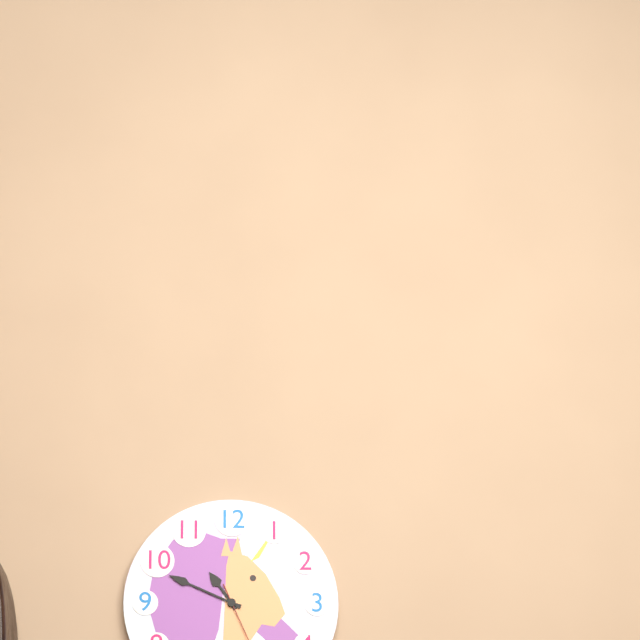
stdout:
10:49
